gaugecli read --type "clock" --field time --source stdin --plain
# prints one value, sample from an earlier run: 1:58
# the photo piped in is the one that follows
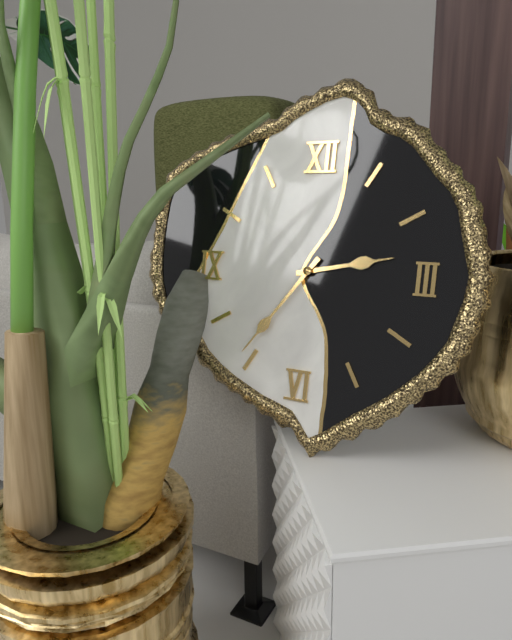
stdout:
2:36
